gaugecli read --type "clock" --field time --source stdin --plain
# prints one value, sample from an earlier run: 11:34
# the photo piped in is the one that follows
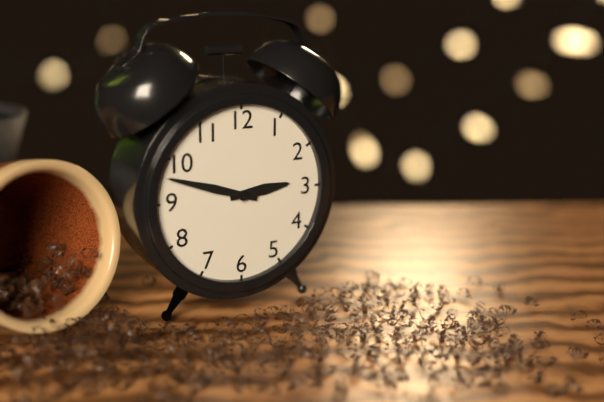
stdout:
2:48
